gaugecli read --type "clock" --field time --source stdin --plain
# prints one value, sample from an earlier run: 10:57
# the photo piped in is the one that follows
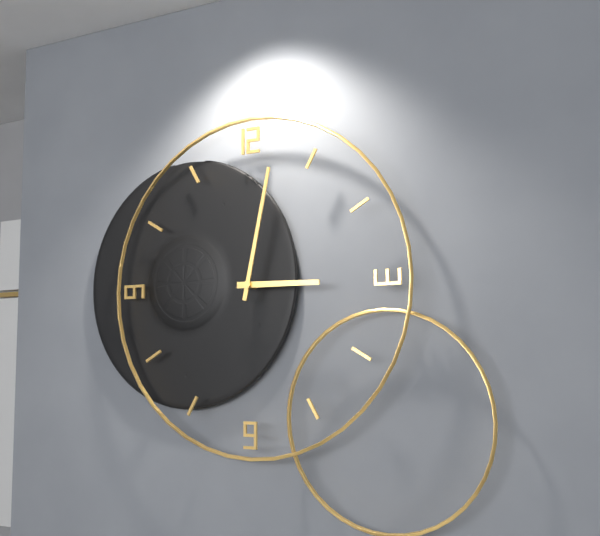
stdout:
3:02
